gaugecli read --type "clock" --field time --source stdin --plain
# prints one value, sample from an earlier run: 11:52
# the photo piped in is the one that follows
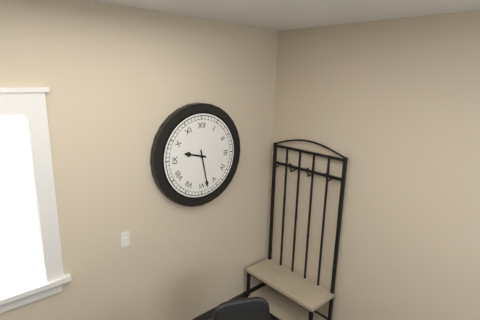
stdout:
9:28
